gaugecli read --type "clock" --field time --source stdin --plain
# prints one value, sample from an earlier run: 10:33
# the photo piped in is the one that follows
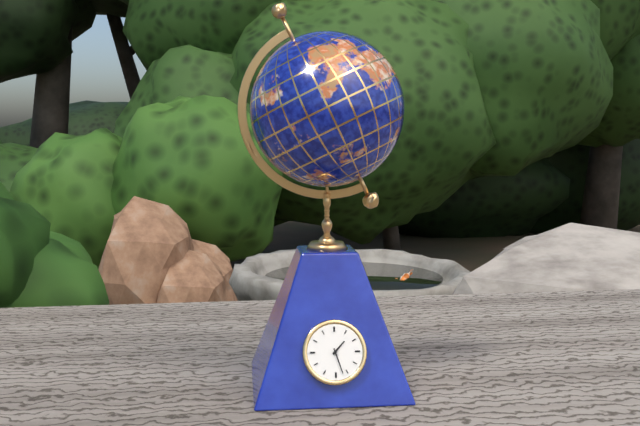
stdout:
1:27
